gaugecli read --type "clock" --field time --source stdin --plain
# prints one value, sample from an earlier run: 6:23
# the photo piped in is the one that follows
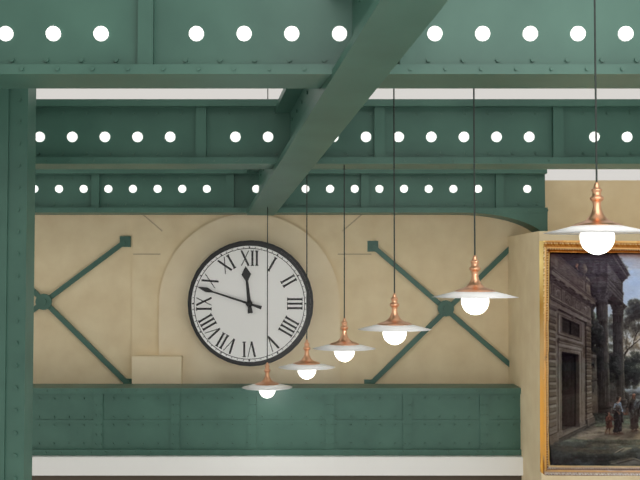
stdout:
11:48
